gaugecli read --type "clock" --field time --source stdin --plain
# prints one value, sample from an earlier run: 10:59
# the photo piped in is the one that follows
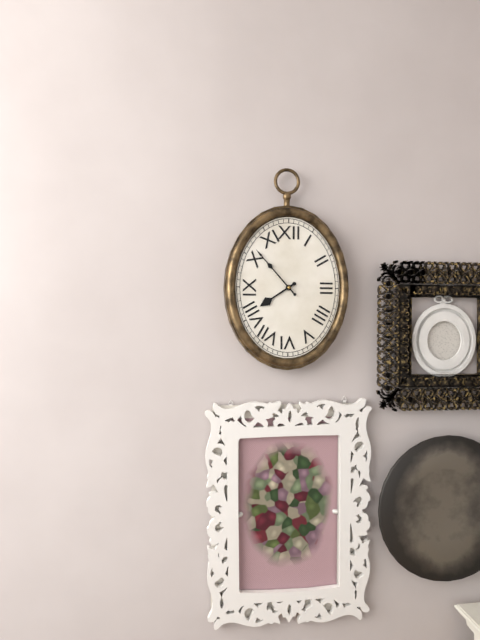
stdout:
7:53
